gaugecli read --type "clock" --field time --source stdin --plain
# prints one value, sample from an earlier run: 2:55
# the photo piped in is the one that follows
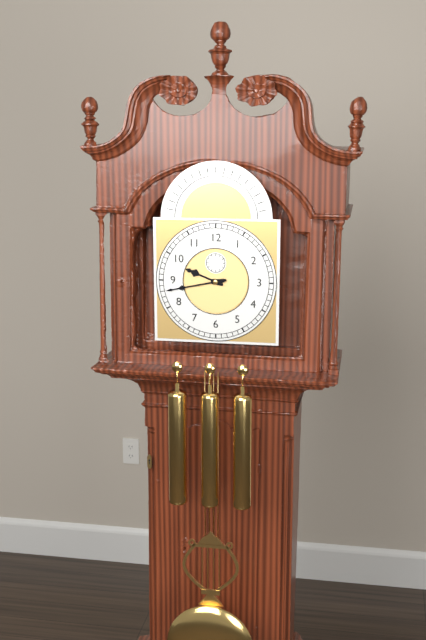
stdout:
9:43
